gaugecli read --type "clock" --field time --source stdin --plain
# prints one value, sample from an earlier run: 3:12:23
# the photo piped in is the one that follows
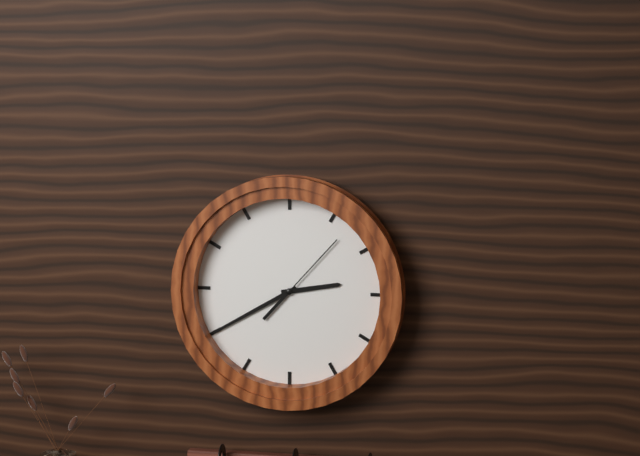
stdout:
2:40:07
